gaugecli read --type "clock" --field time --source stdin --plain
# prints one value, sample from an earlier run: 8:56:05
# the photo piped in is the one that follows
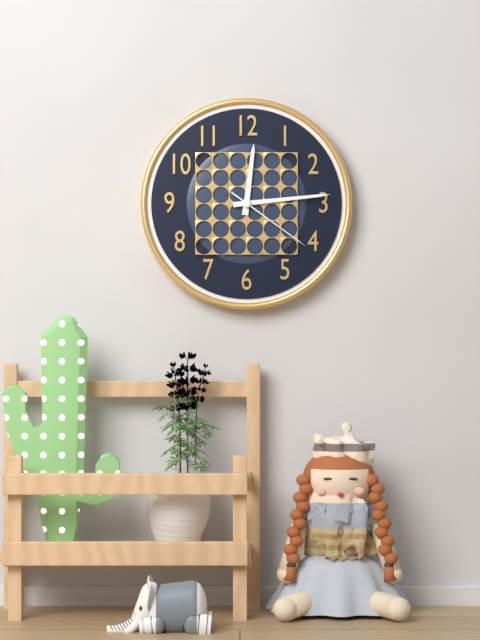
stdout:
12:14:21
